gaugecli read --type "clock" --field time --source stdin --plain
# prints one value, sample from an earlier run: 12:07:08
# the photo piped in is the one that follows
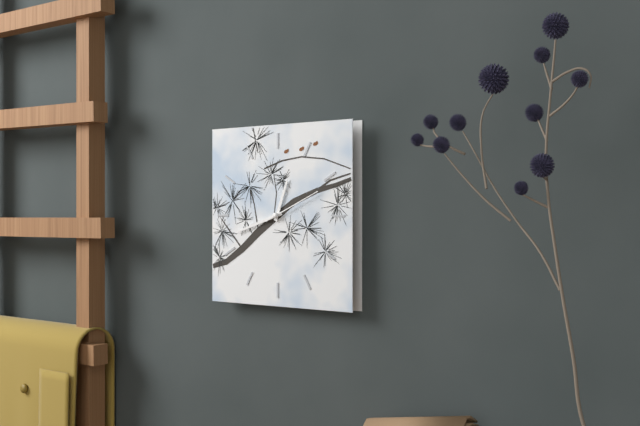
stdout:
12:42:11
